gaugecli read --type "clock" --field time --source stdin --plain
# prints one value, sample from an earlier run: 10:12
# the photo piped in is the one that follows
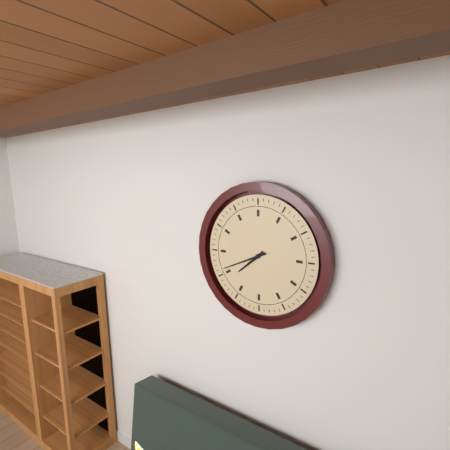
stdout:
7:41
